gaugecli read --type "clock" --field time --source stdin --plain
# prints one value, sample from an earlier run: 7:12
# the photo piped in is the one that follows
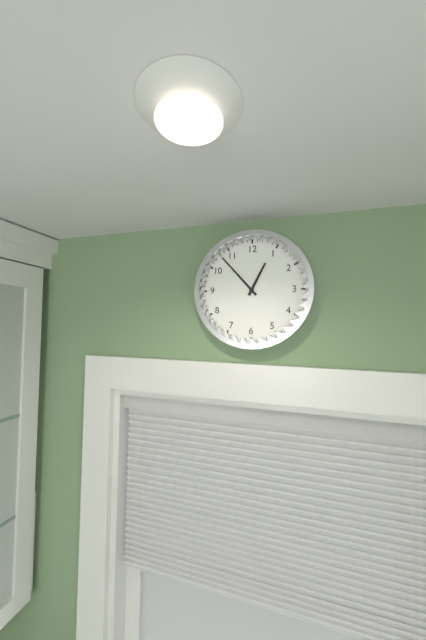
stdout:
12:53
